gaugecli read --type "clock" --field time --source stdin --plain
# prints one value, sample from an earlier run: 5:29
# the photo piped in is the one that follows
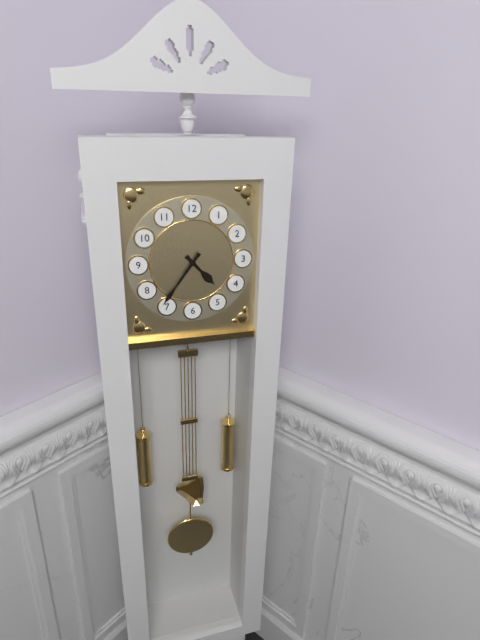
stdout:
4:36
